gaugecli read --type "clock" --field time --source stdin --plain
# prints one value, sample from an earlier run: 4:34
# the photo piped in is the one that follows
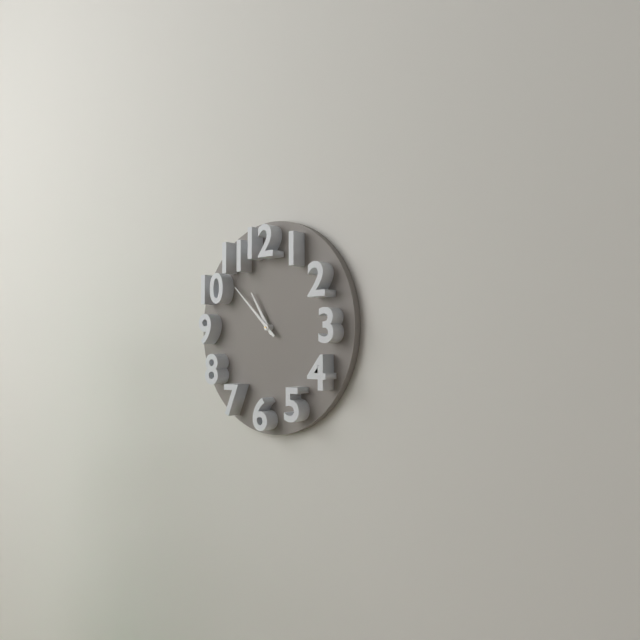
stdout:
10:52
